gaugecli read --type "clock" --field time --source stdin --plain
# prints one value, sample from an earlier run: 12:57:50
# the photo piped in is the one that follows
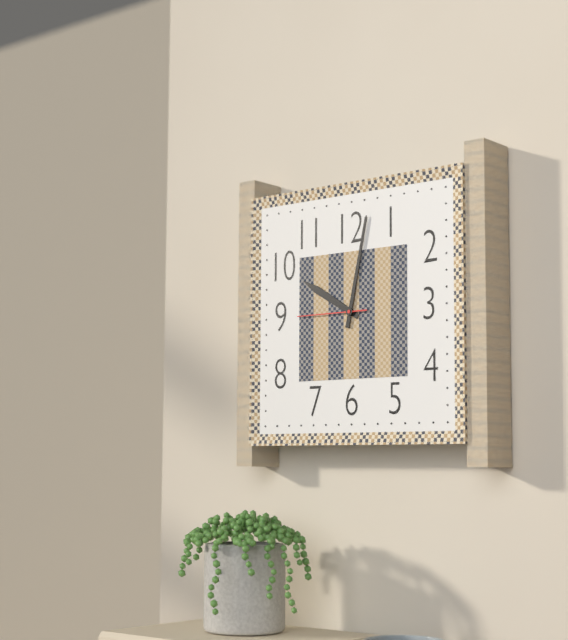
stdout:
10:02:45
